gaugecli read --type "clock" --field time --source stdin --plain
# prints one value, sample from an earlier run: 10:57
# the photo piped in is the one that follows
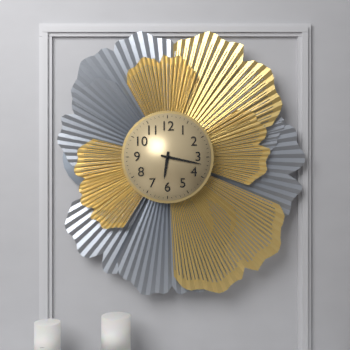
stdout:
6:17
